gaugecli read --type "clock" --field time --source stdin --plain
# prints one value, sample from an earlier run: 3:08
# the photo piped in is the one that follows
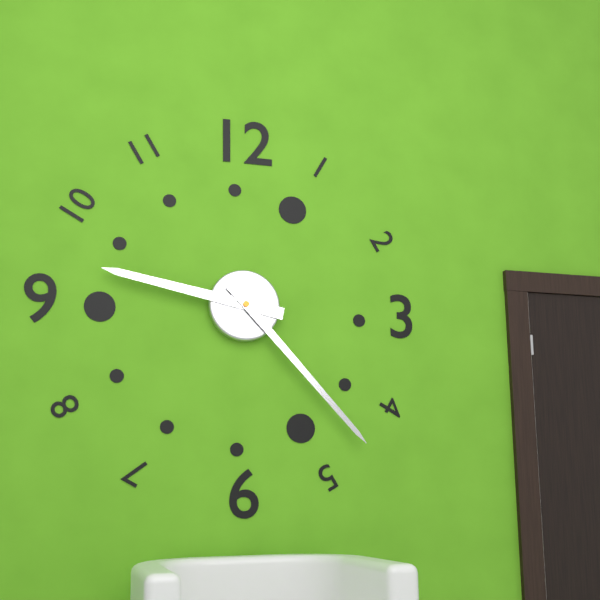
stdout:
9:23
